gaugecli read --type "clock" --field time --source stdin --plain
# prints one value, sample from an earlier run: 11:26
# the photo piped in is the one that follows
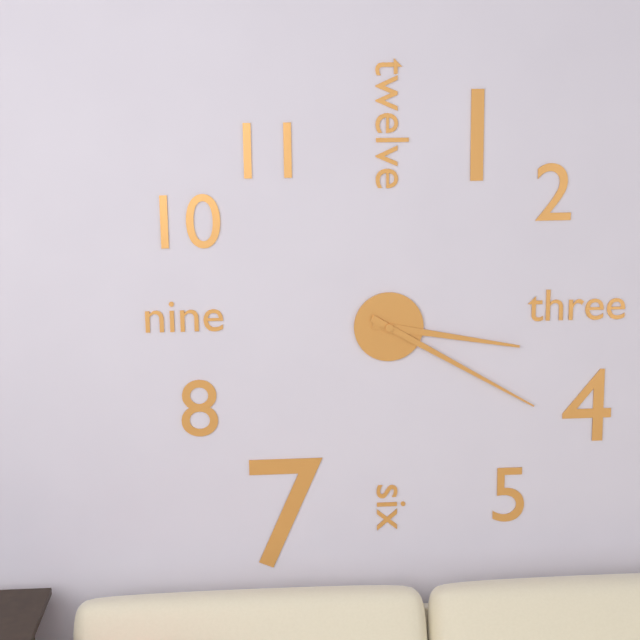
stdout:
3:20
